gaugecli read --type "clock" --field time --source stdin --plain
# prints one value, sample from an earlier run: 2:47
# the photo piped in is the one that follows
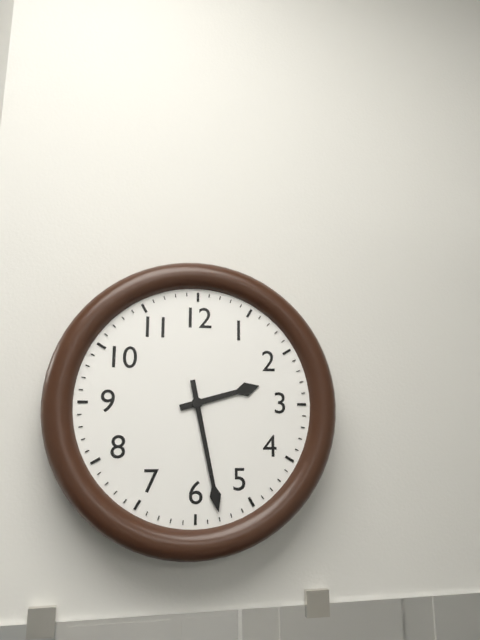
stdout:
2:28
